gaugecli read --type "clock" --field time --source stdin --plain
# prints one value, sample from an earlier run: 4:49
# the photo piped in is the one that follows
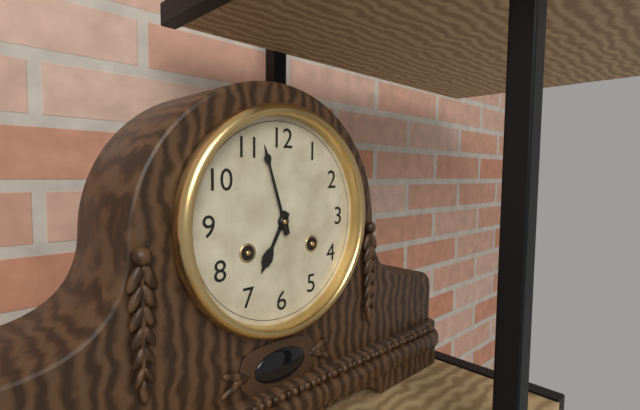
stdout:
6:57
